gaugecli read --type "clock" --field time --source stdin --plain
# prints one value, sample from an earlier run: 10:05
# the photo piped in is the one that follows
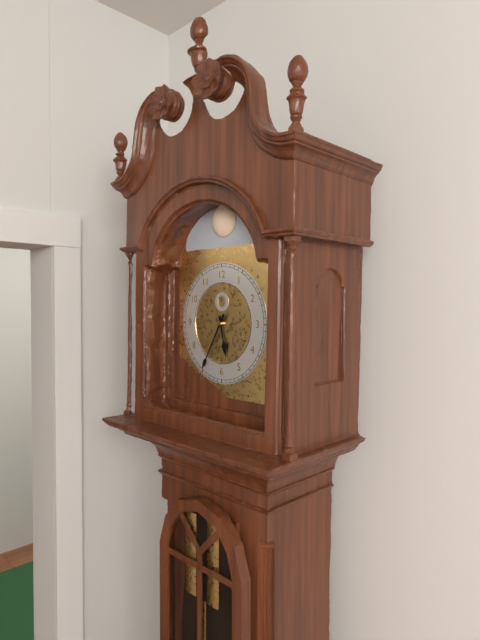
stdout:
5:35
